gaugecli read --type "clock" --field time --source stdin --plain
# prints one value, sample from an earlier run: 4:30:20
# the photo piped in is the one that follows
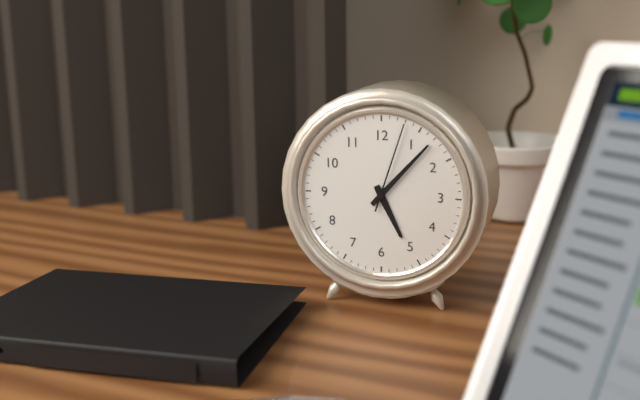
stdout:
5:07:03
